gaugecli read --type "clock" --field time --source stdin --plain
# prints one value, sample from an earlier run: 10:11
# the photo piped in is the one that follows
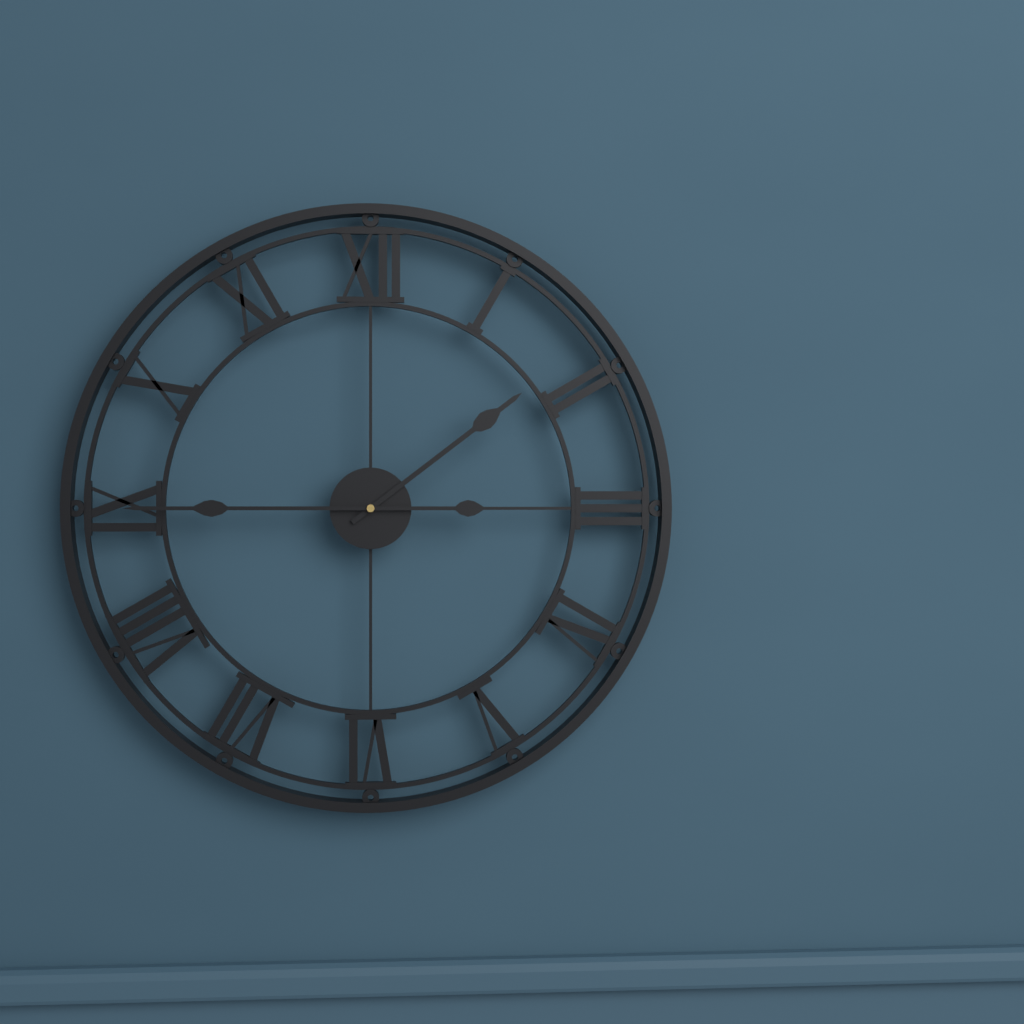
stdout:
1:45
